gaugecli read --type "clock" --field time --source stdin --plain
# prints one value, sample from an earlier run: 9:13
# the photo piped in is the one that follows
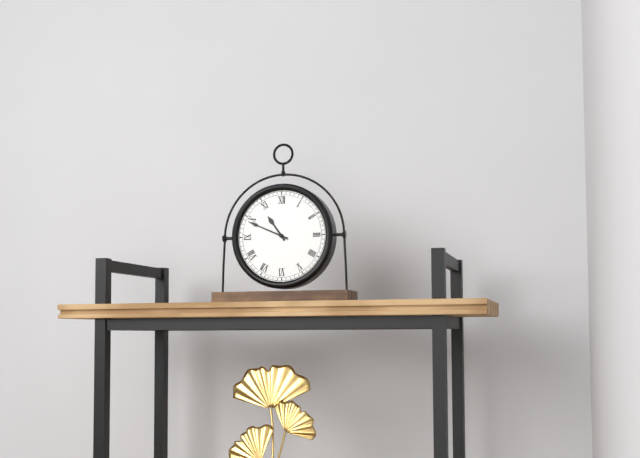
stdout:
10:49
